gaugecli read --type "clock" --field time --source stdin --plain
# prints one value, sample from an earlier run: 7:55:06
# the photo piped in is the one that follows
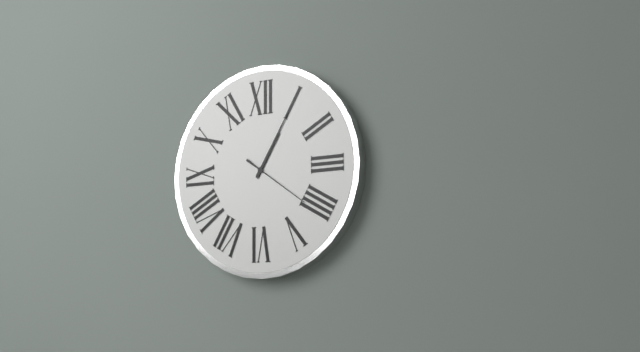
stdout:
1:05:21
